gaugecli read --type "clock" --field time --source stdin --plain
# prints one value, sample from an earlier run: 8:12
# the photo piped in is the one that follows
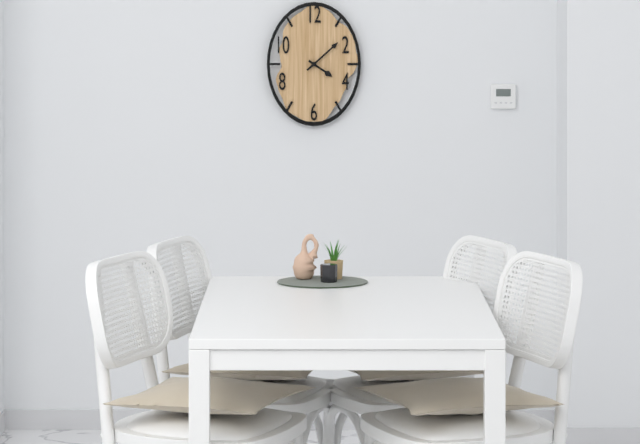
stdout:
4:08
